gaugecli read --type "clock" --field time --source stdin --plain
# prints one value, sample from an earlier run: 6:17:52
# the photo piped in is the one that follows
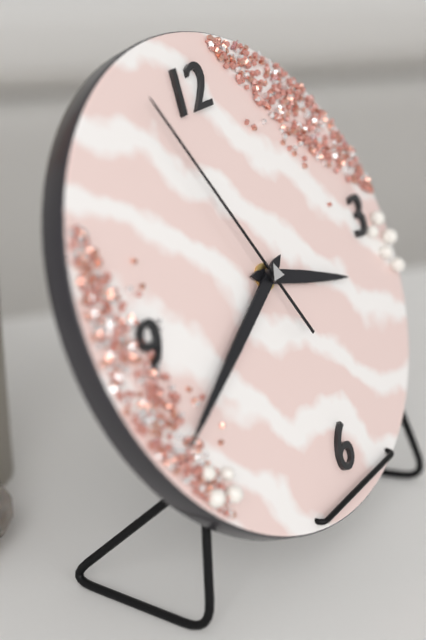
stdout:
3:41:57
